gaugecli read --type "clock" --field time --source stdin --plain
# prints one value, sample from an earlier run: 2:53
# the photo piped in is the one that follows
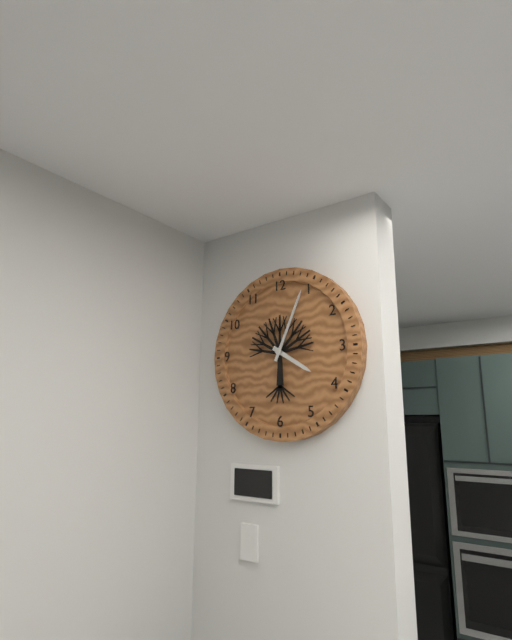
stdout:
4:04
